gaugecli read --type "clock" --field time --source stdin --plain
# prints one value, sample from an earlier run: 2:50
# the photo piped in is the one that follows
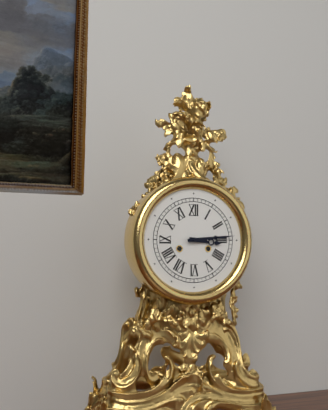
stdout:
3:14
